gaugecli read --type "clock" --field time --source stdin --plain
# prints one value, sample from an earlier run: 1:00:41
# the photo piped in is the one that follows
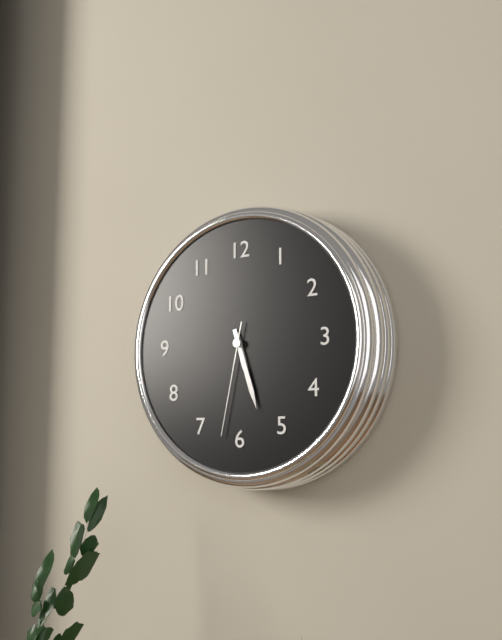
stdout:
5:27:32
